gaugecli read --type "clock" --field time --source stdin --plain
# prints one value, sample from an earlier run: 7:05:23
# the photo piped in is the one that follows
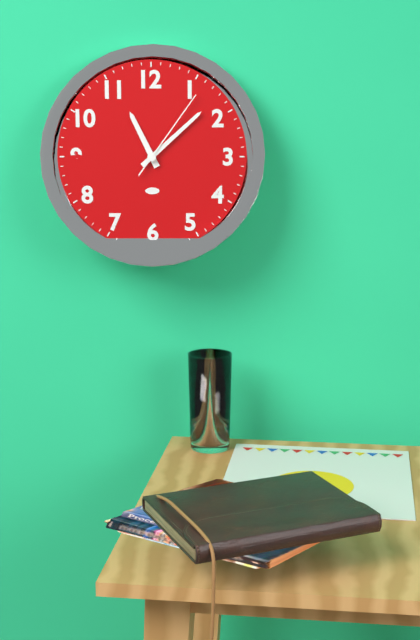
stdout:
11:08:06
